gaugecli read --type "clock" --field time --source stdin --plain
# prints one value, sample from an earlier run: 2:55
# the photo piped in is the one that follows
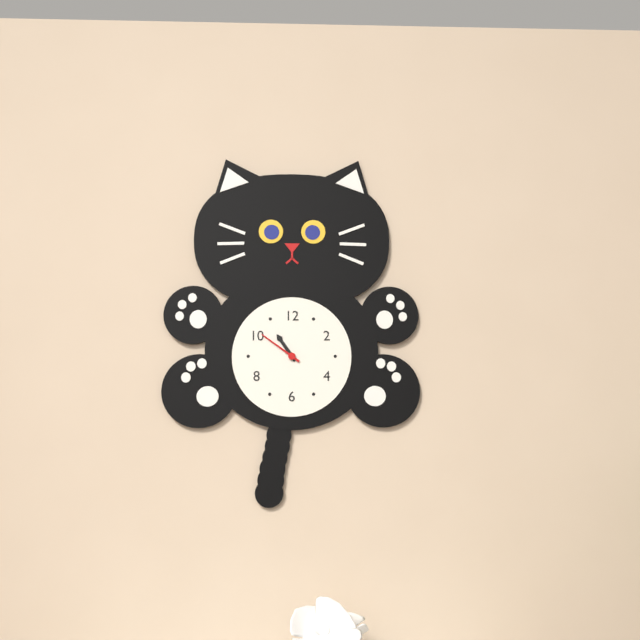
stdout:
10:51
